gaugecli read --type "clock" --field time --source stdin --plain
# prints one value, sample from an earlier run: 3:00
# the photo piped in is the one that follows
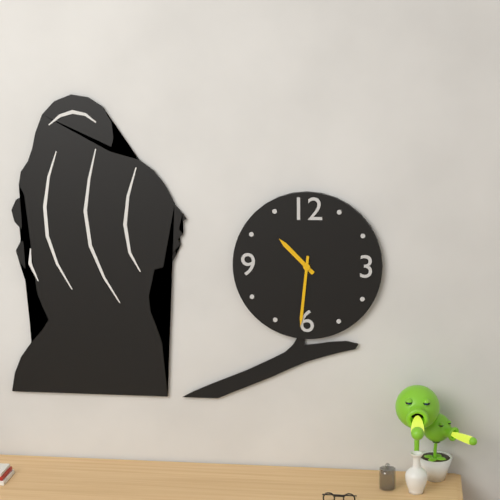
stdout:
10:31
